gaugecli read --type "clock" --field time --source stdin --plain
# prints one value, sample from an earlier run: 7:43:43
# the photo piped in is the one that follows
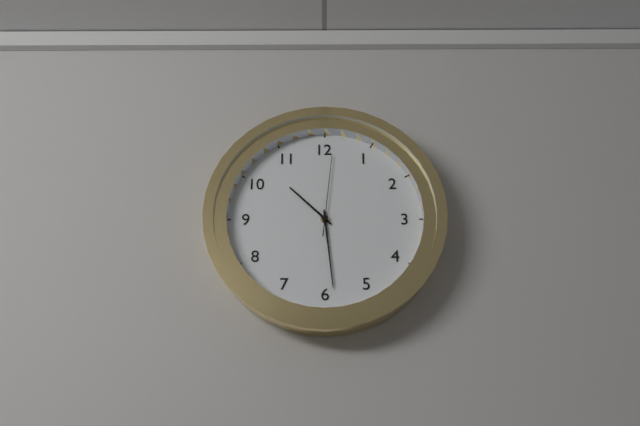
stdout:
10:29:01
